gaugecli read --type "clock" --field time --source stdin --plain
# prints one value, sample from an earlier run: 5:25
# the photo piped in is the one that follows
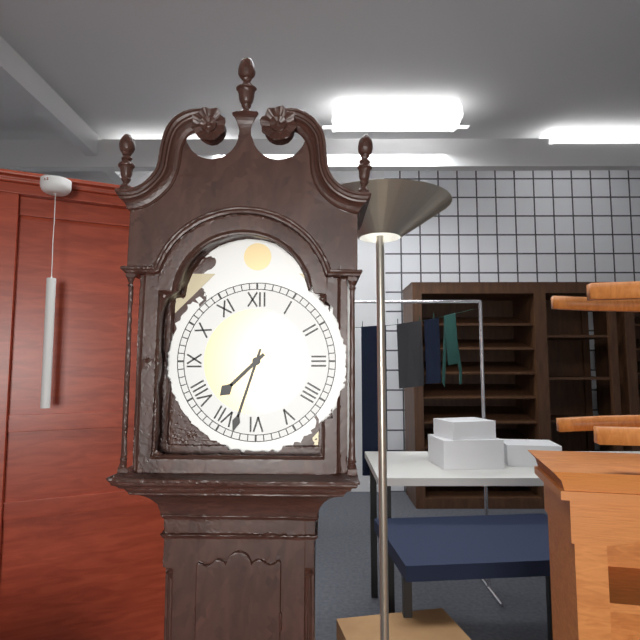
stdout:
7:33
